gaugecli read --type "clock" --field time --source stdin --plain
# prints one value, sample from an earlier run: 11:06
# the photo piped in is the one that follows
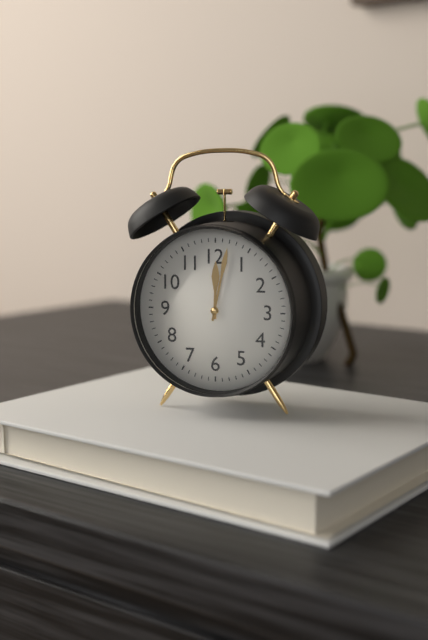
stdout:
12:02
